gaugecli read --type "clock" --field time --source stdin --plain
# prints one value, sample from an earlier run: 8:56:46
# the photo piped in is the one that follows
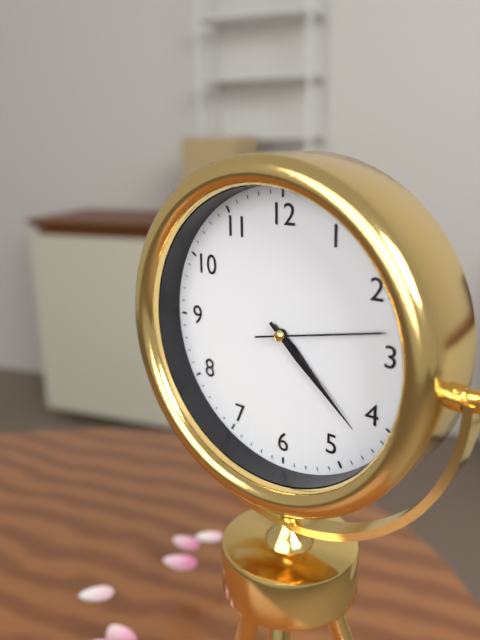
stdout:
4:22:13
